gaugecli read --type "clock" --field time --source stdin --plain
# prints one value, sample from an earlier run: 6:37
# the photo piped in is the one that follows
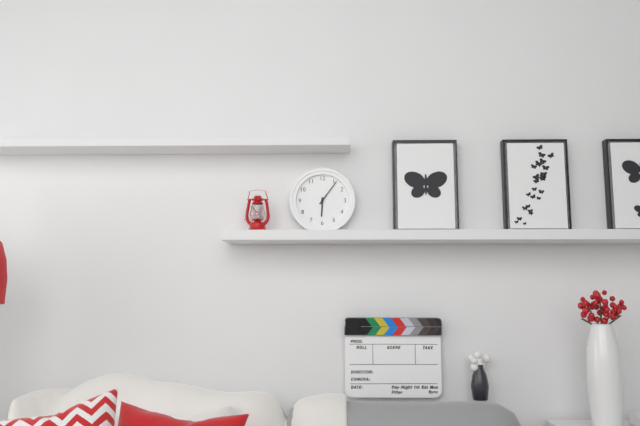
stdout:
6:06
